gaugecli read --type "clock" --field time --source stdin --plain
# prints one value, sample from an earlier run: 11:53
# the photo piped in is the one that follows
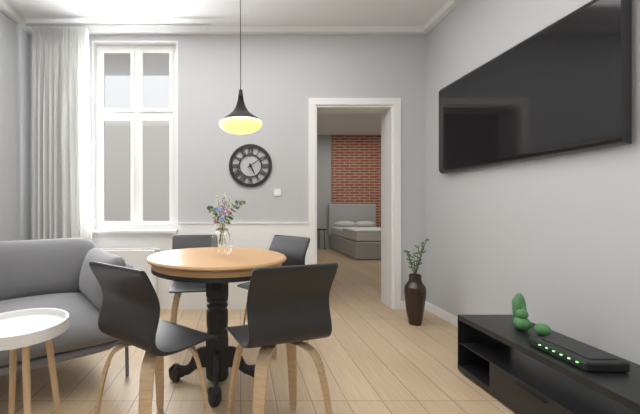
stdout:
5:09
